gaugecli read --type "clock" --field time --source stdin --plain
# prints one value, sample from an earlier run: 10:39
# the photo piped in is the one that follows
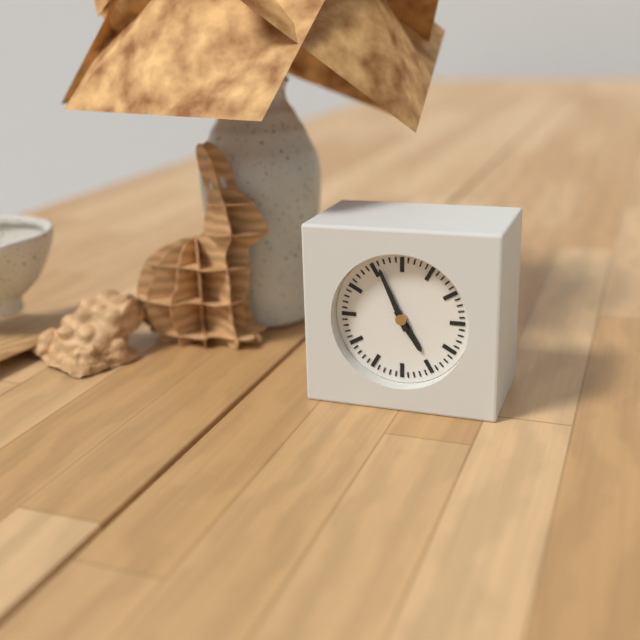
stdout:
4:56
